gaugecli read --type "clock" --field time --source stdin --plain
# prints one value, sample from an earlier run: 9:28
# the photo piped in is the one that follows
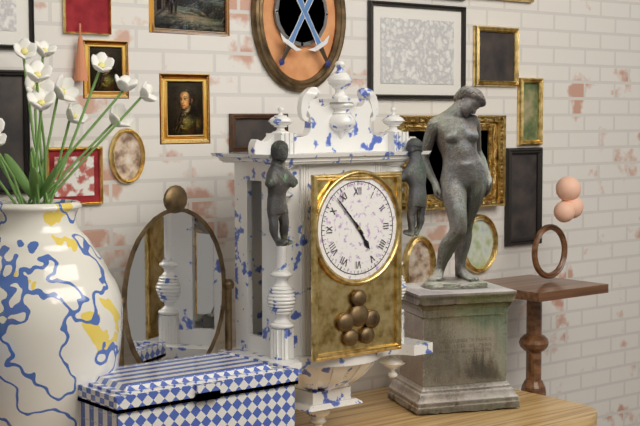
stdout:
4:53
